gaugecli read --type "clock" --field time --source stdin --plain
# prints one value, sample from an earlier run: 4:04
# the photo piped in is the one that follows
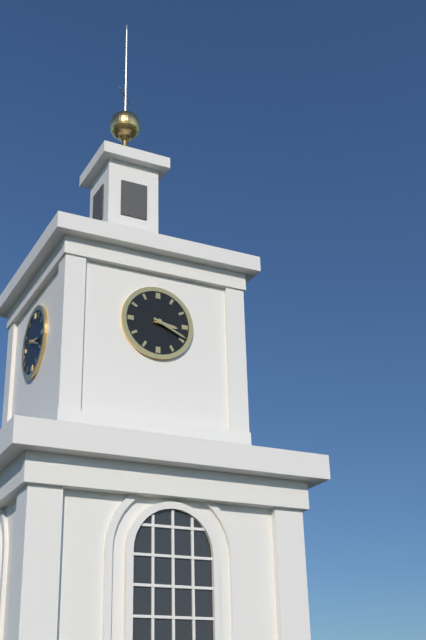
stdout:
3:19
